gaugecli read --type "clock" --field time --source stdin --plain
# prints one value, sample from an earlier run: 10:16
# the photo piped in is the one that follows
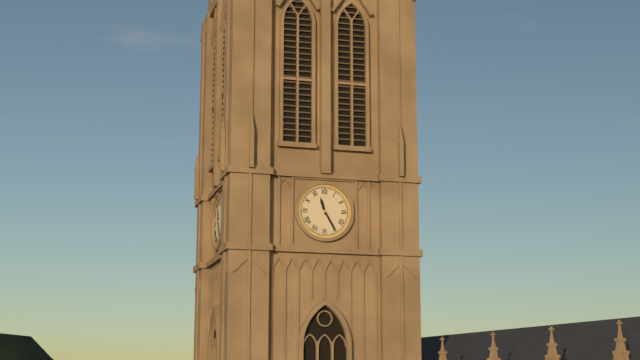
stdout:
11:25
